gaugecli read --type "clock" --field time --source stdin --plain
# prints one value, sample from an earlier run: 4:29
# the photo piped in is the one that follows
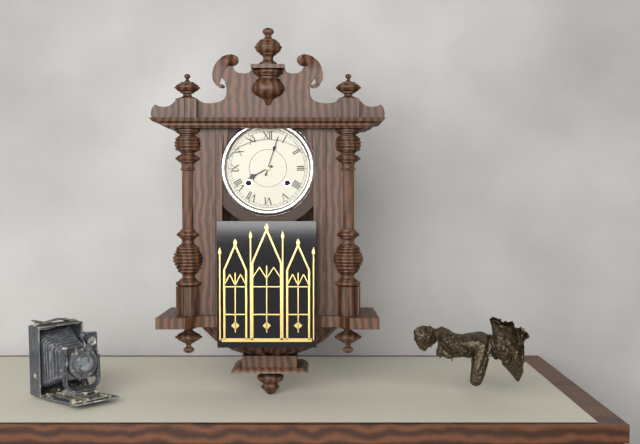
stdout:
8:03
